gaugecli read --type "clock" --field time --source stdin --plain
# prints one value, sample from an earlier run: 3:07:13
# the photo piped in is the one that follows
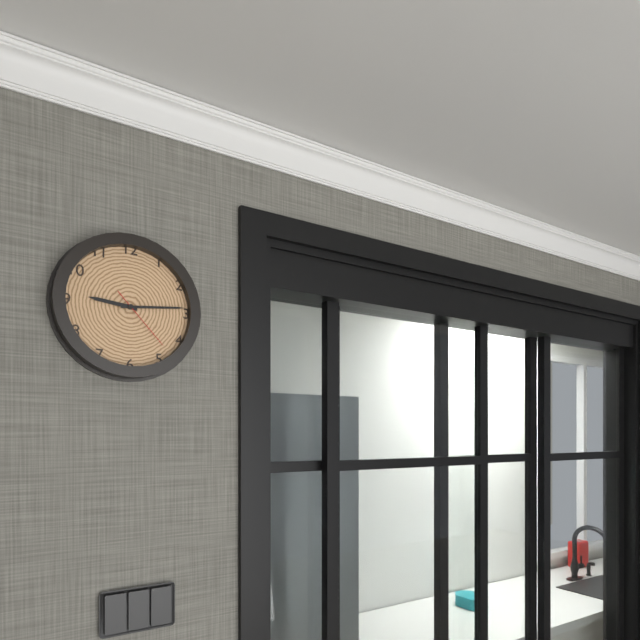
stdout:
9:14:23
